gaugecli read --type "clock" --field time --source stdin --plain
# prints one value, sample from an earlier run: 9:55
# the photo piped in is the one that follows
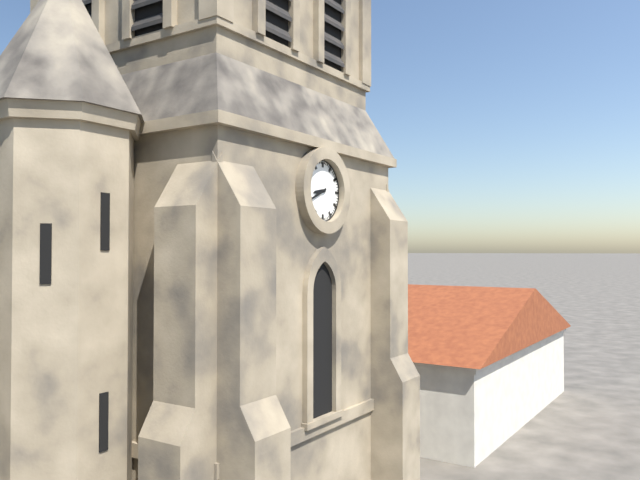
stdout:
8:41
